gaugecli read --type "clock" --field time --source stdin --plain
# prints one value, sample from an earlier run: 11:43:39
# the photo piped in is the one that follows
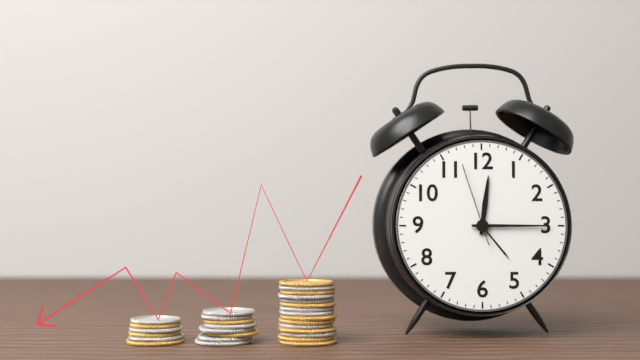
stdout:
12:15:57
